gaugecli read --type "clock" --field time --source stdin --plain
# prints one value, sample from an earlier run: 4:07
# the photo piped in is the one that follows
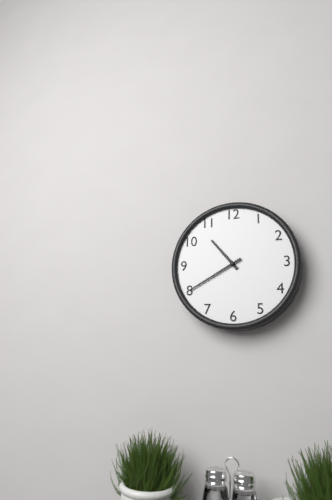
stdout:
10:40
